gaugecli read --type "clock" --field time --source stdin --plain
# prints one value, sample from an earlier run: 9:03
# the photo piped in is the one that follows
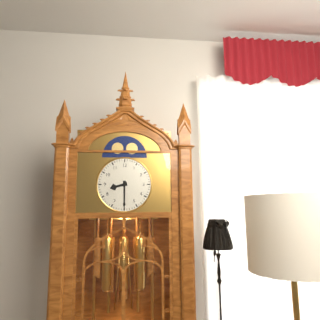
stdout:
8:30
